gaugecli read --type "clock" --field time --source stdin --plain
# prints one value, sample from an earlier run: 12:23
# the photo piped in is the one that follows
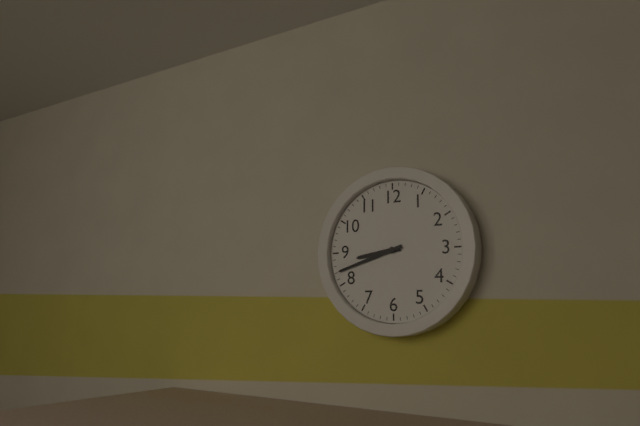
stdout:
8:42
